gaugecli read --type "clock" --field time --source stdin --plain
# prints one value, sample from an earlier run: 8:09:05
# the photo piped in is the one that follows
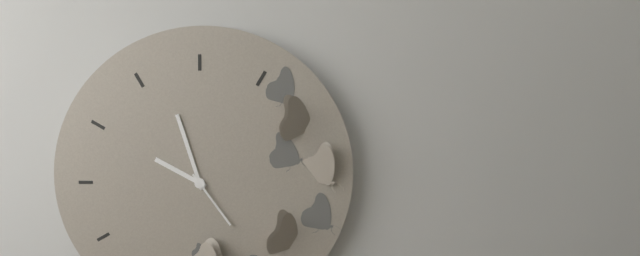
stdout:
9:57:24
